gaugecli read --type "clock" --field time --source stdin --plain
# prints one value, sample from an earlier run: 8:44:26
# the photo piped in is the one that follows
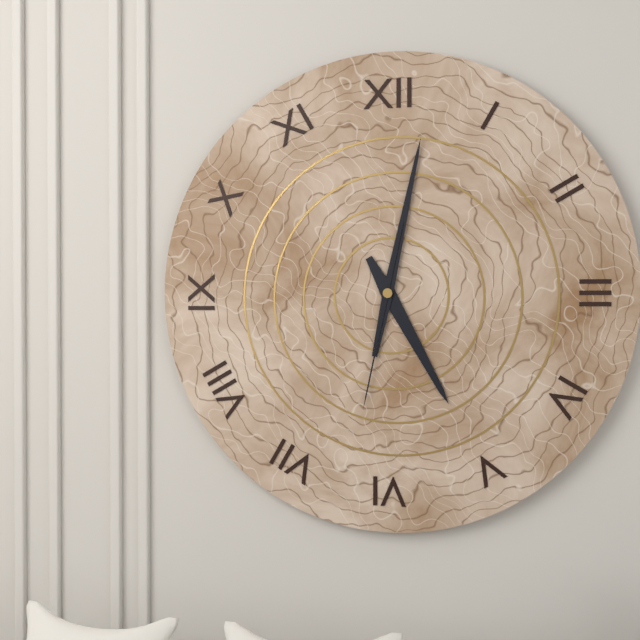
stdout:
5:02:32
